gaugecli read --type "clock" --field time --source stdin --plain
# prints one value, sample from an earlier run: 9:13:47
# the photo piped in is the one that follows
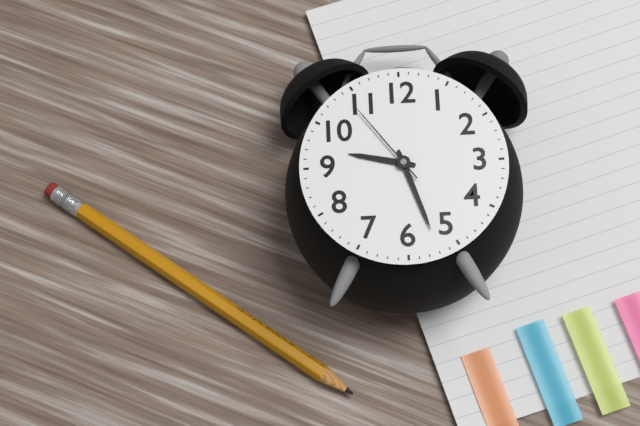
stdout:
9:27:54
